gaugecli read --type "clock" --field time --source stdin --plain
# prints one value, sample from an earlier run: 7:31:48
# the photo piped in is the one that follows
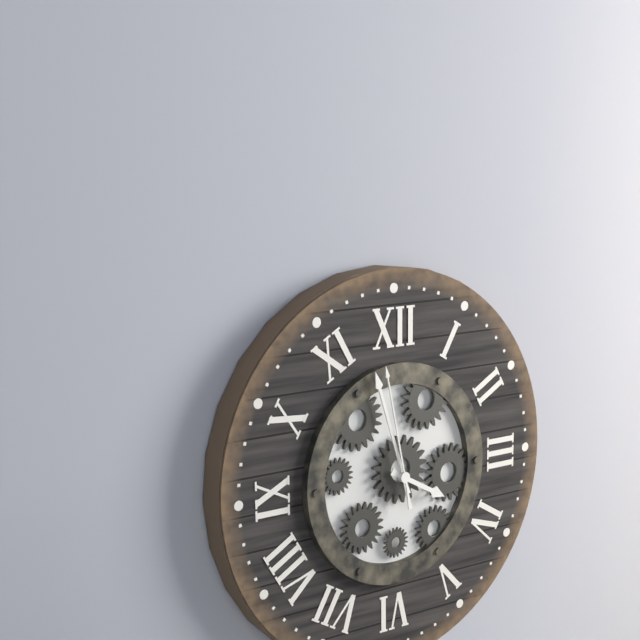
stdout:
3:57:58
